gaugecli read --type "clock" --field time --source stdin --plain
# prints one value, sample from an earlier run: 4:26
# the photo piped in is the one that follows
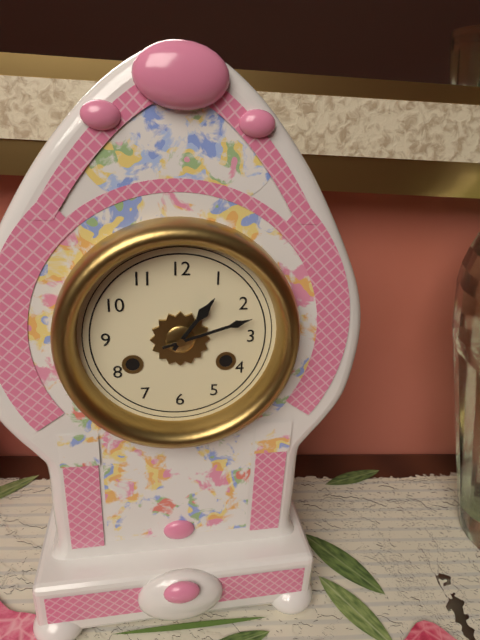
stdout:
1:12
